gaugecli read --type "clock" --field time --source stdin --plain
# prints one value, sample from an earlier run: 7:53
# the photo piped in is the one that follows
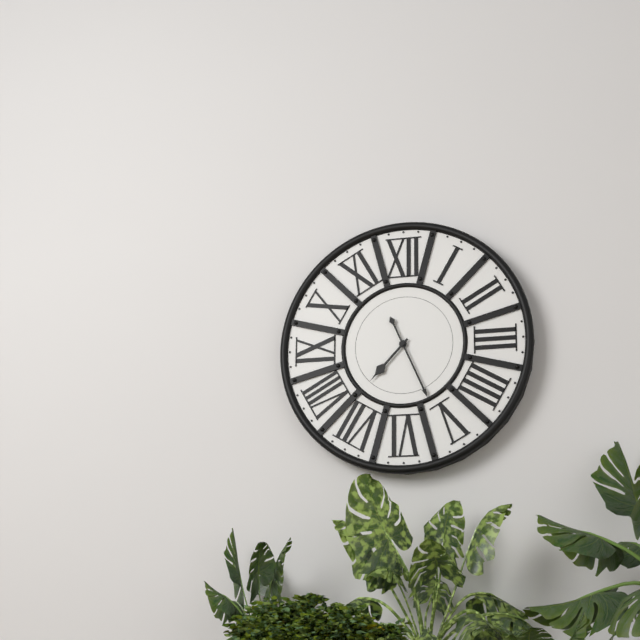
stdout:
7:26
